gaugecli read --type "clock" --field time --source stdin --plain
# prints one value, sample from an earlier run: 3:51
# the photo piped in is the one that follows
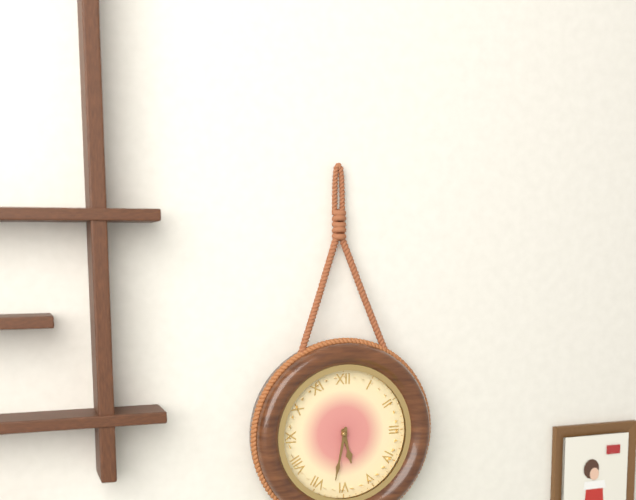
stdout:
5:32
